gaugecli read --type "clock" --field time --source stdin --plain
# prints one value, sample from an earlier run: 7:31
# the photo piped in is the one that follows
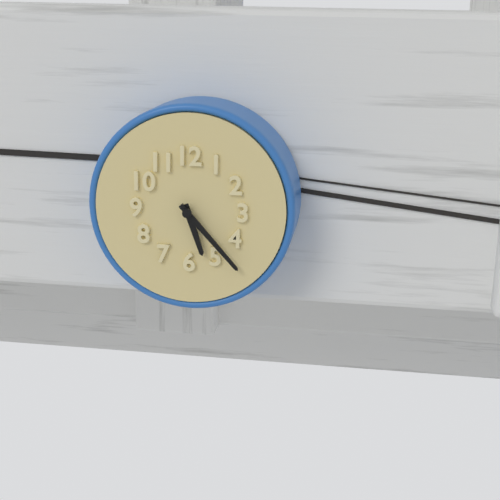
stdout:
5:23
